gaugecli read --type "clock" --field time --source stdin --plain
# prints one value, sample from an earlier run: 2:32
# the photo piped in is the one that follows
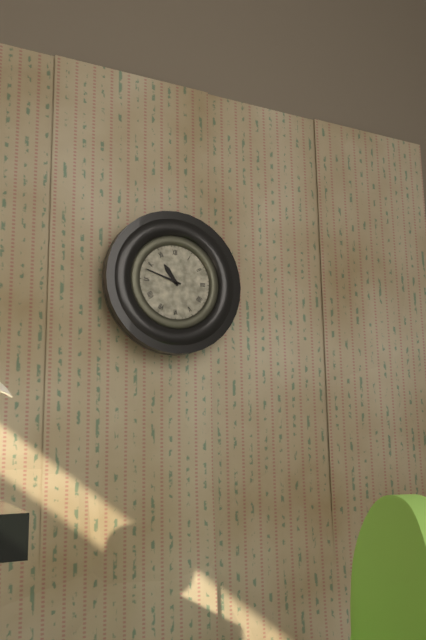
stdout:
10:48
